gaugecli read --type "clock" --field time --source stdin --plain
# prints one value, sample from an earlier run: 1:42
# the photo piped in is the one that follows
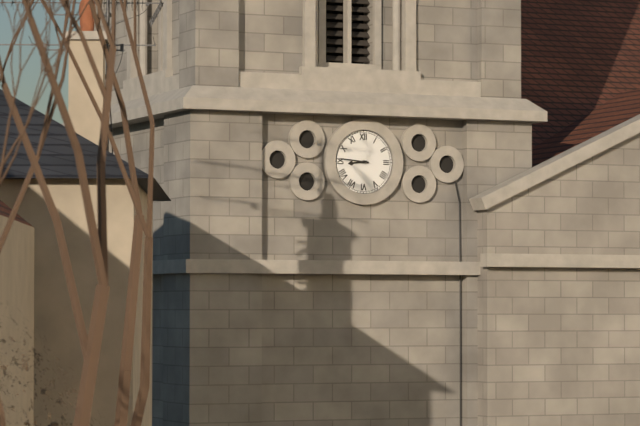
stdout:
8:46
